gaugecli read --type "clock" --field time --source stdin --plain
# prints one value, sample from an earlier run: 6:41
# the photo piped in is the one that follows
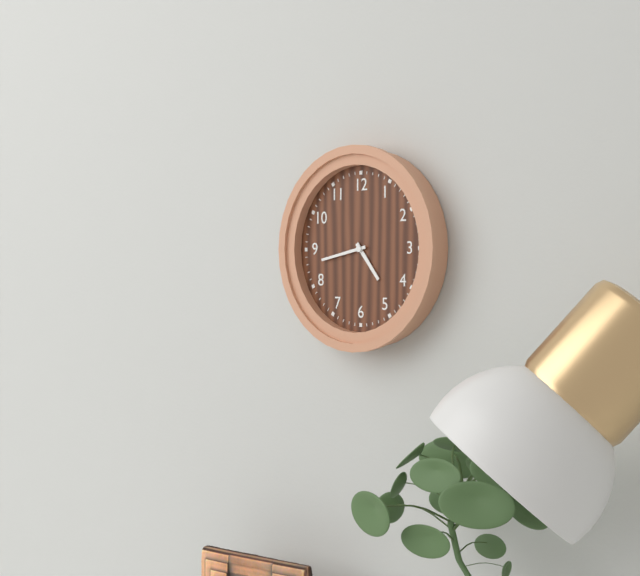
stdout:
4:43
